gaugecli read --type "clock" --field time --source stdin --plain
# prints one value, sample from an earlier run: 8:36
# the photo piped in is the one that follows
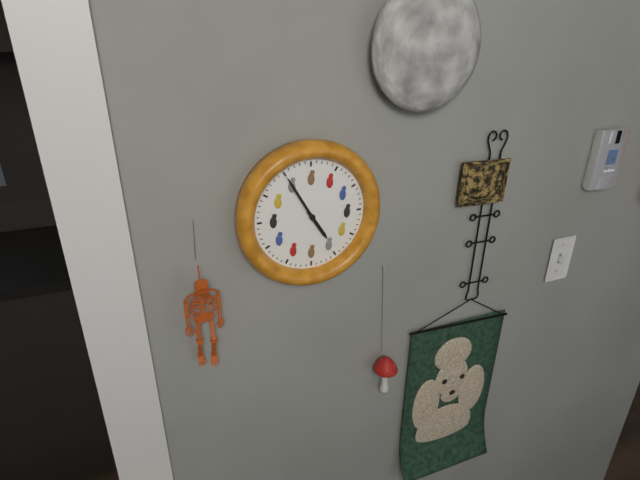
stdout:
4:55
